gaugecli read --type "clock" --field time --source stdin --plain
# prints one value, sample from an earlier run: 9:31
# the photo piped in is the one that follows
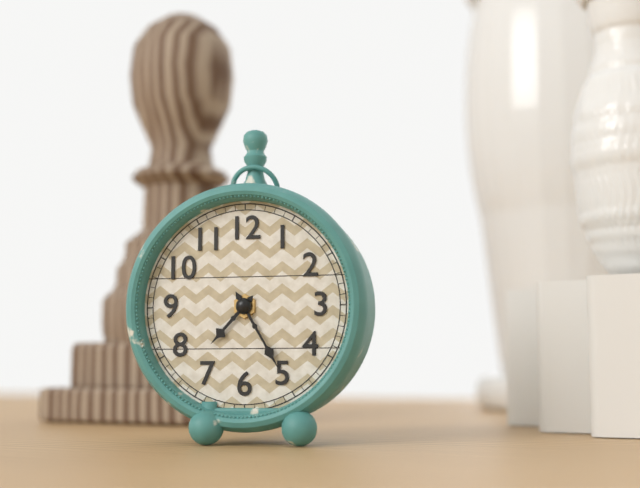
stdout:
7:25
